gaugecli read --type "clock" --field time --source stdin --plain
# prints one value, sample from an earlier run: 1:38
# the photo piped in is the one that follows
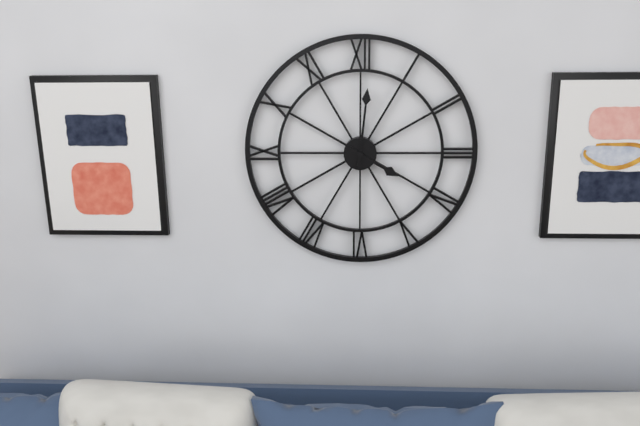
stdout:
4:01
